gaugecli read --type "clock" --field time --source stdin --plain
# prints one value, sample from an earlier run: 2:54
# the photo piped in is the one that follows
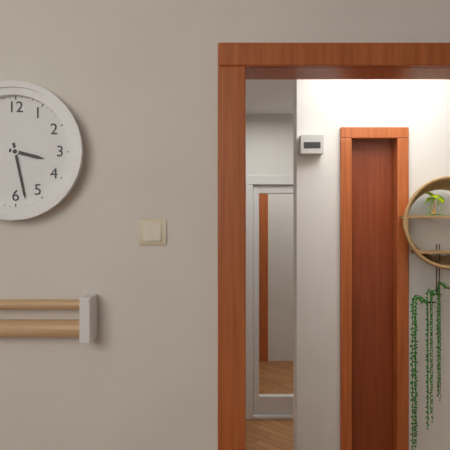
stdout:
3:28
